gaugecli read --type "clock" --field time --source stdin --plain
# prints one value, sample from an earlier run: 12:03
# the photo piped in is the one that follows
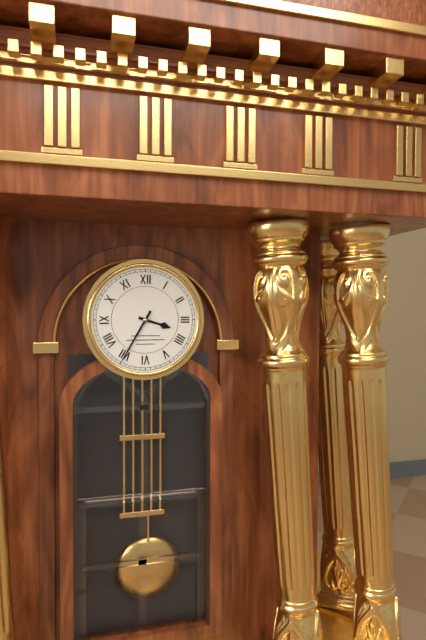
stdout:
3:35
